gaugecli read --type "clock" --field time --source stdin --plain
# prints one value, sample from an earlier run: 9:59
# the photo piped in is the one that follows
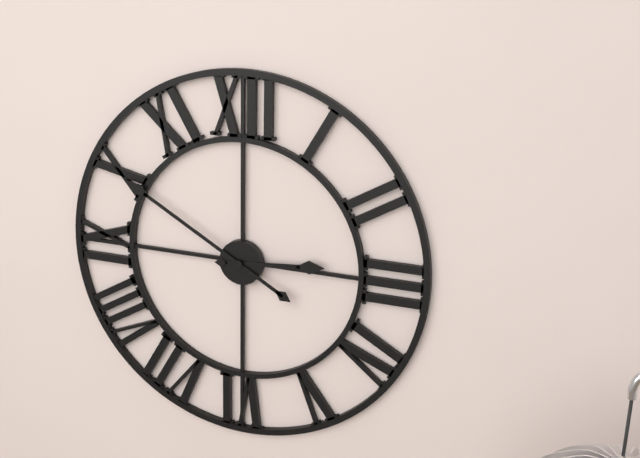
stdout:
2:50
